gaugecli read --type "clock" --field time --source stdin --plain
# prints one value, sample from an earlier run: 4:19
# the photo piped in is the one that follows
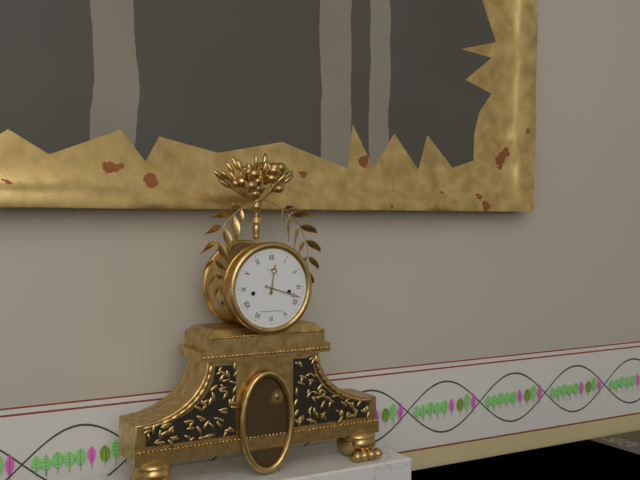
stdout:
12:18
